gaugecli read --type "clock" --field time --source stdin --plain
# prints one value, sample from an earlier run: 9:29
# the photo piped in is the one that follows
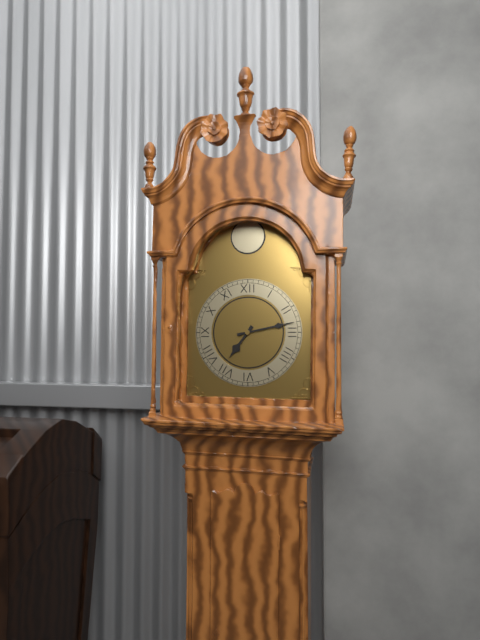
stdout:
7:13
